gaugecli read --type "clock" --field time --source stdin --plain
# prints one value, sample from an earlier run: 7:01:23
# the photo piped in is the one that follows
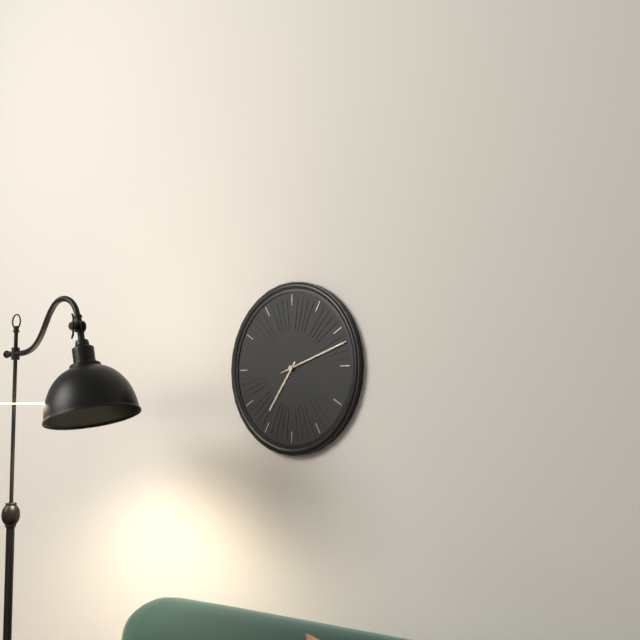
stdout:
7:12:12
